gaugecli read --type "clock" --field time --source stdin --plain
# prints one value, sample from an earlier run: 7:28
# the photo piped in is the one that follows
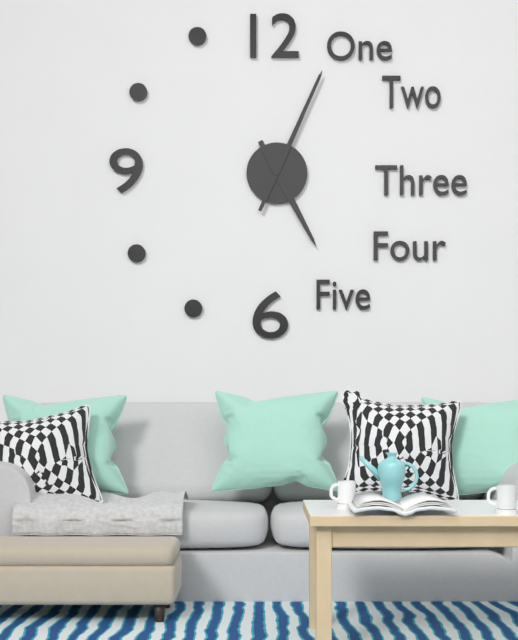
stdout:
5:04
